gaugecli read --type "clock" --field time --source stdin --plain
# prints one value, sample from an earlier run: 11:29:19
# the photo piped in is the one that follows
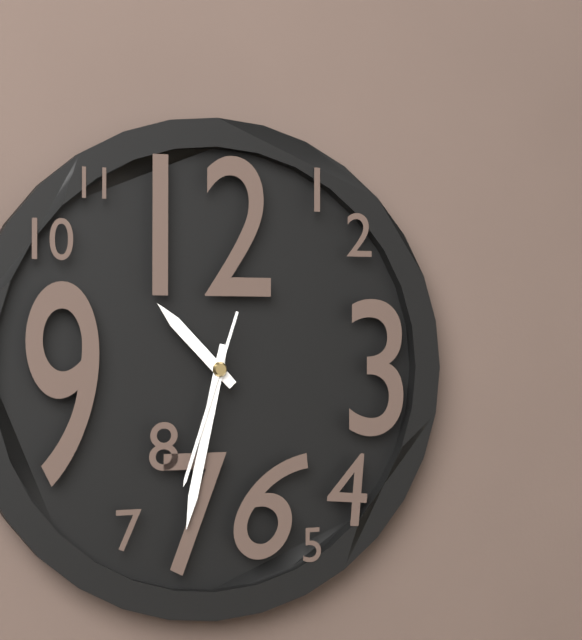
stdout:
10:32:33
